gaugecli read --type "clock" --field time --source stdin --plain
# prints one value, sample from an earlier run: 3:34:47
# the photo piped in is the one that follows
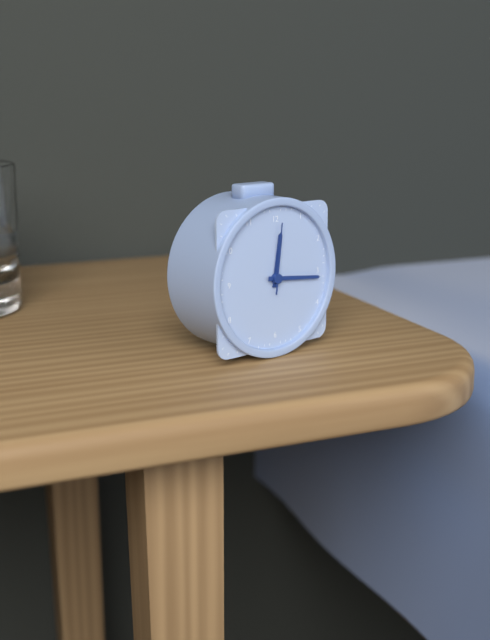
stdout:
12:16:01
